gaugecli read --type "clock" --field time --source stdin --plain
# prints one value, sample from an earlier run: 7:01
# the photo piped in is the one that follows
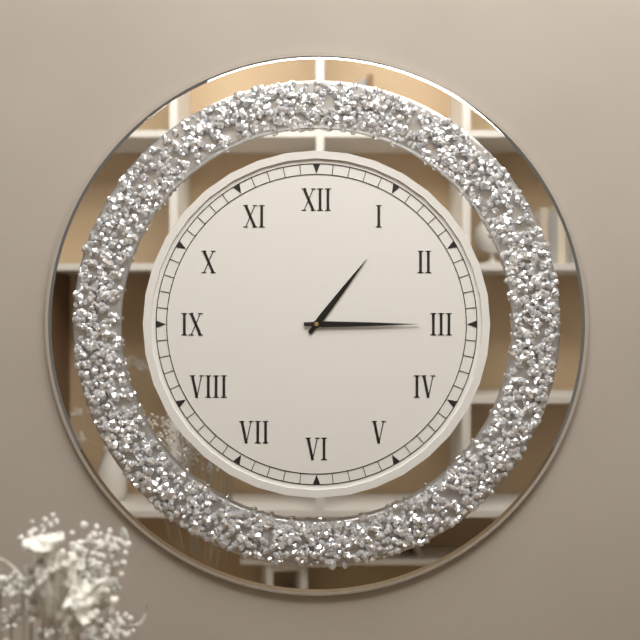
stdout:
1:15
